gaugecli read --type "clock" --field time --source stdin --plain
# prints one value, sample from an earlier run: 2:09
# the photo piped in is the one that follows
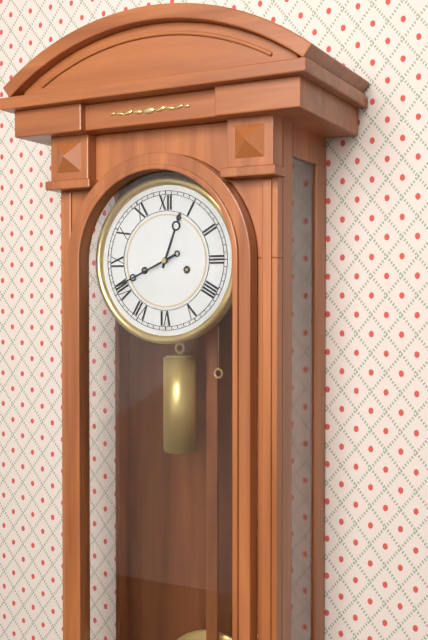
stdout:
12:41
